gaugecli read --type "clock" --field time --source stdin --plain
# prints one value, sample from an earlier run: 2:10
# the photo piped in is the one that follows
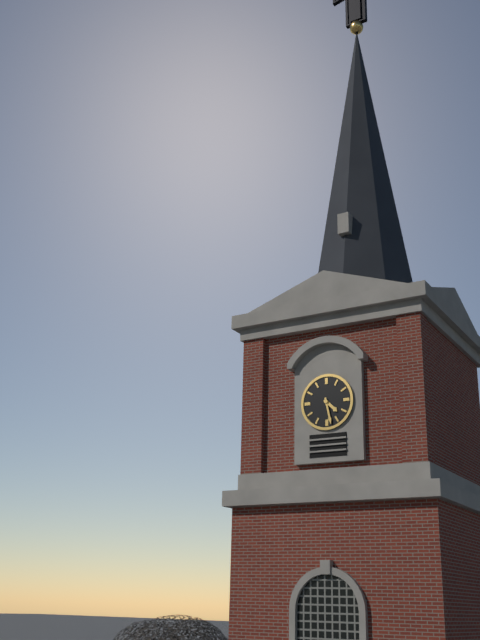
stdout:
4:28
